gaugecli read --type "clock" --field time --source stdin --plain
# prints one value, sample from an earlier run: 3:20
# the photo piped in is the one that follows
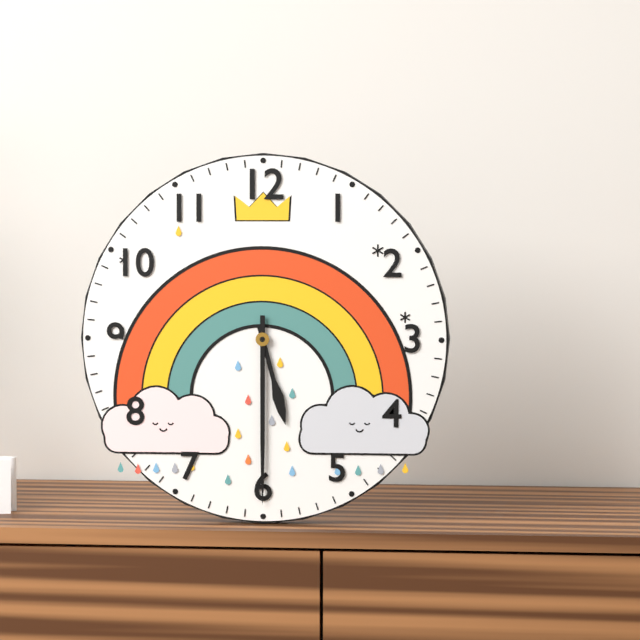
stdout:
5:30
